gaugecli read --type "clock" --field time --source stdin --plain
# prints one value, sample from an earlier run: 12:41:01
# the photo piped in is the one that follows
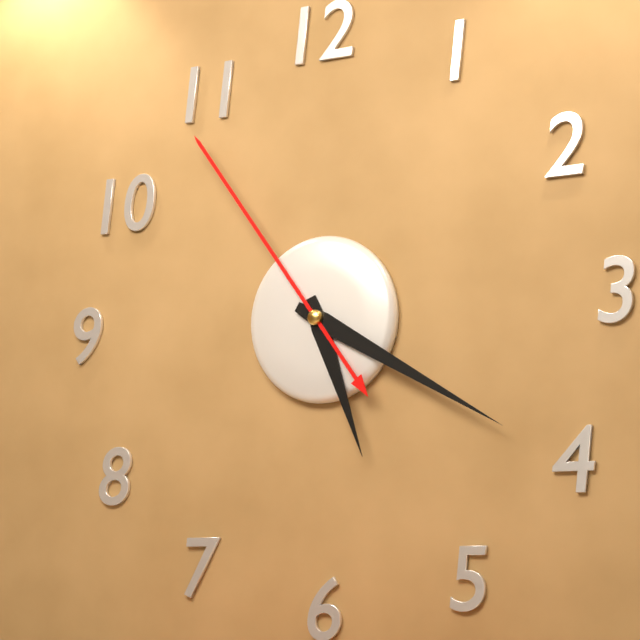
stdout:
5:20:54
